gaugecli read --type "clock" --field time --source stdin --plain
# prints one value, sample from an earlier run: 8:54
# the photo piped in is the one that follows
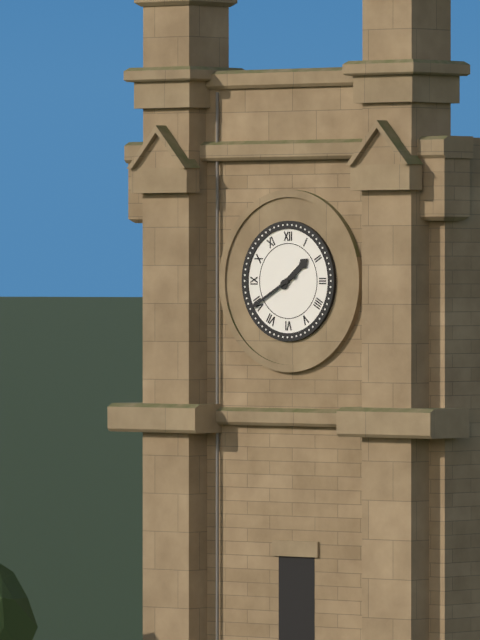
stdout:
1:40
